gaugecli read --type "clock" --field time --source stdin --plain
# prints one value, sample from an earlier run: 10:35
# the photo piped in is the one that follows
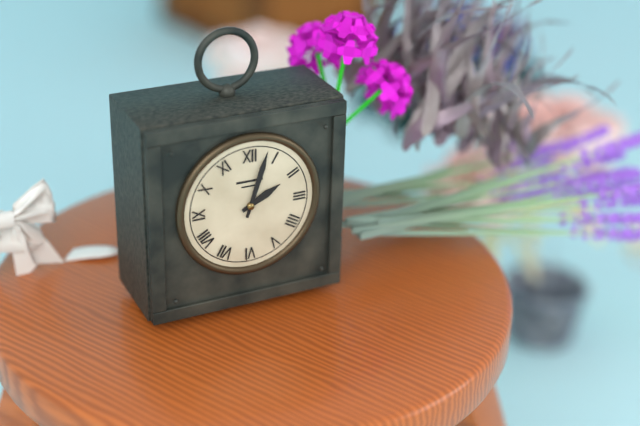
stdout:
2:03
